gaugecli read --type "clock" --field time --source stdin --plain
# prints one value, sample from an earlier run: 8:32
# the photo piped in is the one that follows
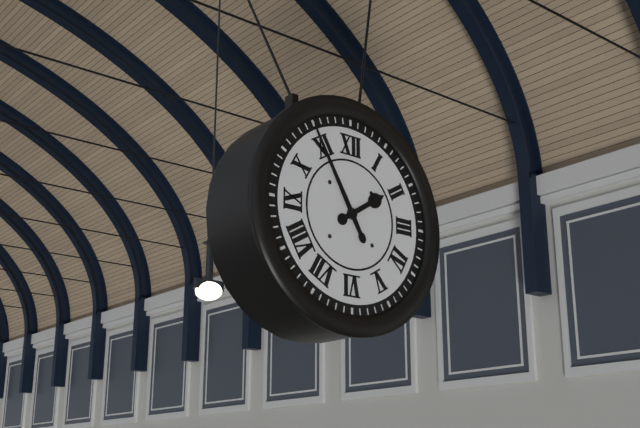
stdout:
1:55
